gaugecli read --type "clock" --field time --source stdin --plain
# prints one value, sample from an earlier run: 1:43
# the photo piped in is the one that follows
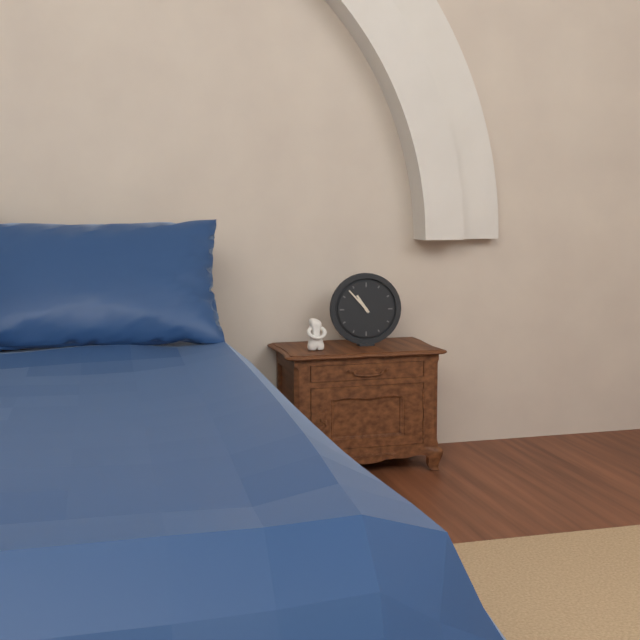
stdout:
10:53
